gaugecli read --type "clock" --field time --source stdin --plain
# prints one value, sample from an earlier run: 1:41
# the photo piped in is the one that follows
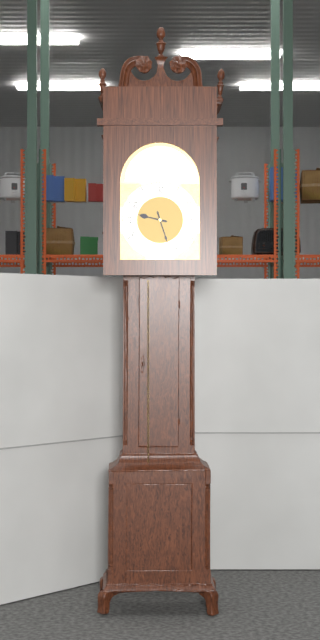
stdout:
9:27
